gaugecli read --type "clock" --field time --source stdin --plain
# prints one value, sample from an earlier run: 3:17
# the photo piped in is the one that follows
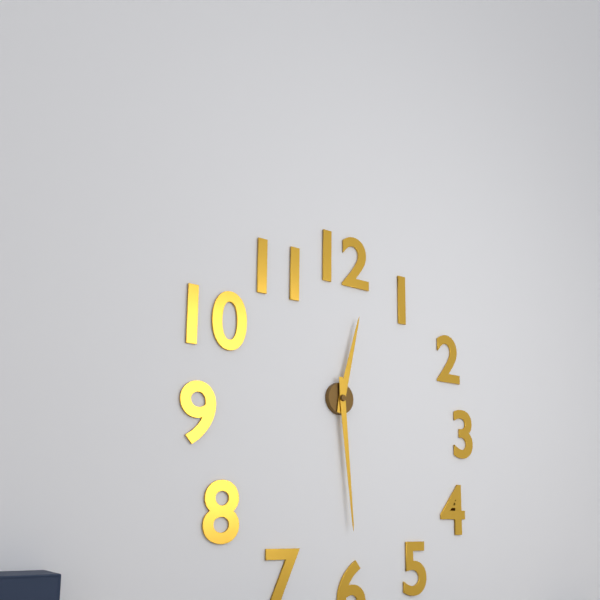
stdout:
12:29
